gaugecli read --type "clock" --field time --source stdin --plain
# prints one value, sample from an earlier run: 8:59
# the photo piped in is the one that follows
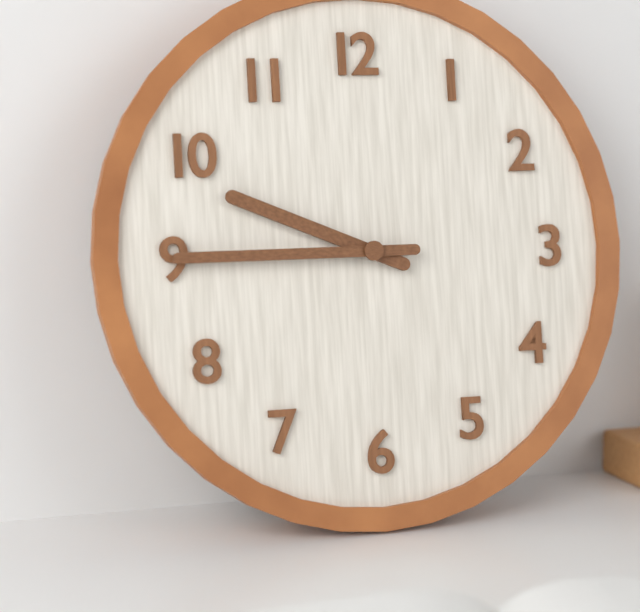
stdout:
9:45
